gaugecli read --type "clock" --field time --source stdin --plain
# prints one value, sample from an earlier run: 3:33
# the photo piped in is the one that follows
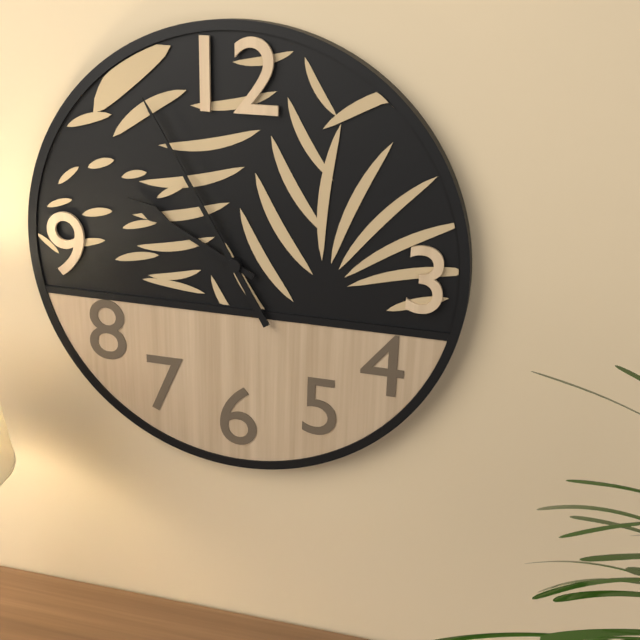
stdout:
9:55
